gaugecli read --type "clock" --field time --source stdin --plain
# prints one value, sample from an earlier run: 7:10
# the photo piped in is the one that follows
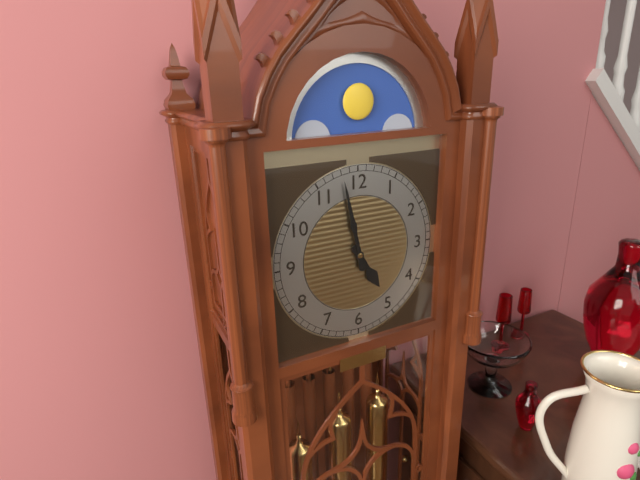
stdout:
4:58
